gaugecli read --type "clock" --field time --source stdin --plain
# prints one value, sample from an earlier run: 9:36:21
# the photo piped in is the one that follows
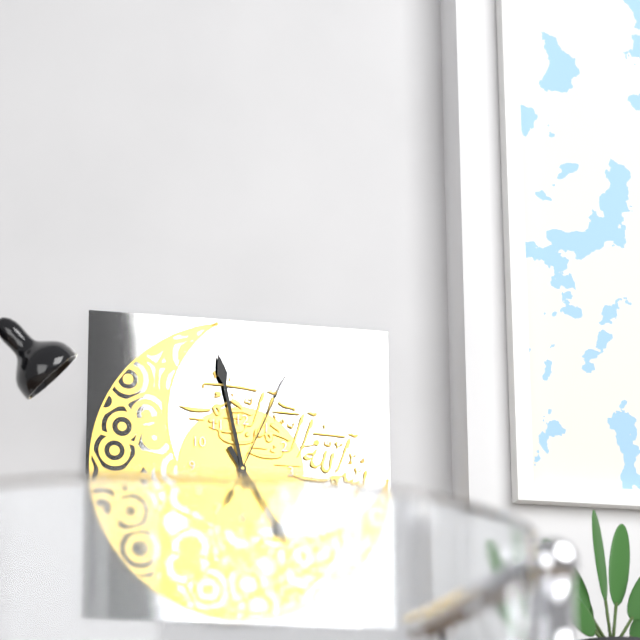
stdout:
4:58:04
